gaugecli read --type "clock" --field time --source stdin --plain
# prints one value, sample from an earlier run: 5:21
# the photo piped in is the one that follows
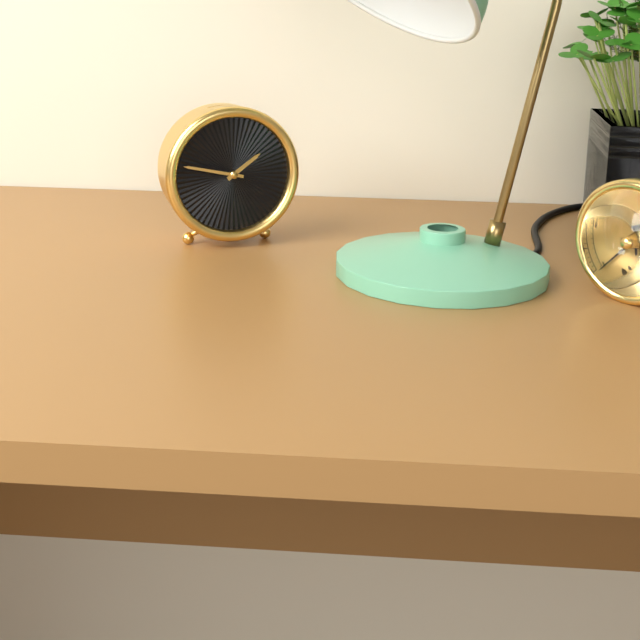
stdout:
1:47
